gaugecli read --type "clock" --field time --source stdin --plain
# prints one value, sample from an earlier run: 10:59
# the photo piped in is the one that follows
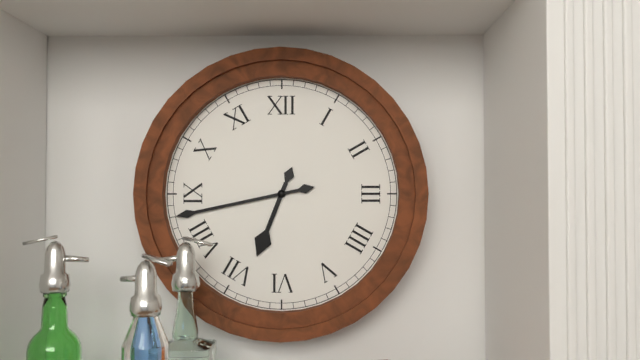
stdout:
6:43
